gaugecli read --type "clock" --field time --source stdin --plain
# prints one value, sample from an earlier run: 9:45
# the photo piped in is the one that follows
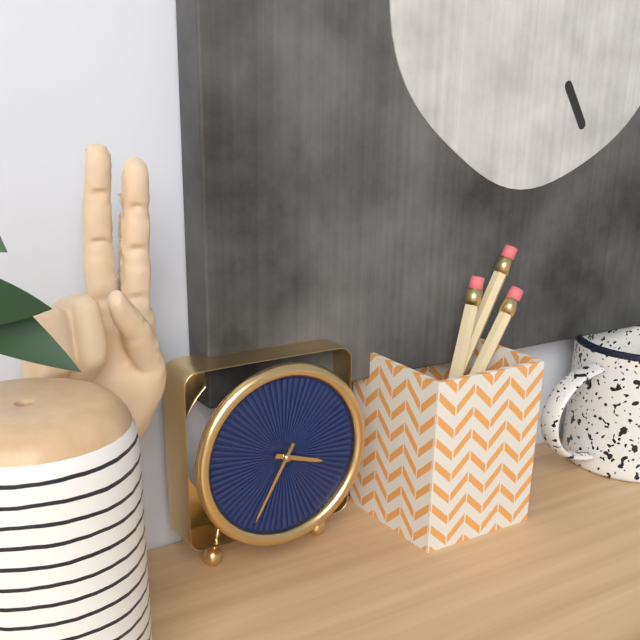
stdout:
3:35
